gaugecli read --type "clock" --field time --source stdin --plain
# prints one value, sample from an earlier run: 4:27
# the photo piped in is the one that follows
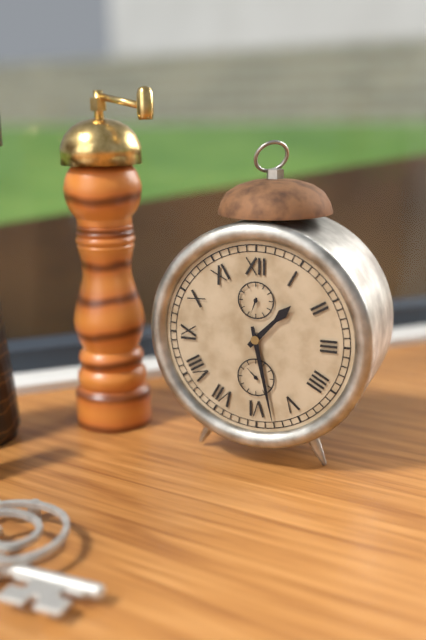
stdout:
1:28
